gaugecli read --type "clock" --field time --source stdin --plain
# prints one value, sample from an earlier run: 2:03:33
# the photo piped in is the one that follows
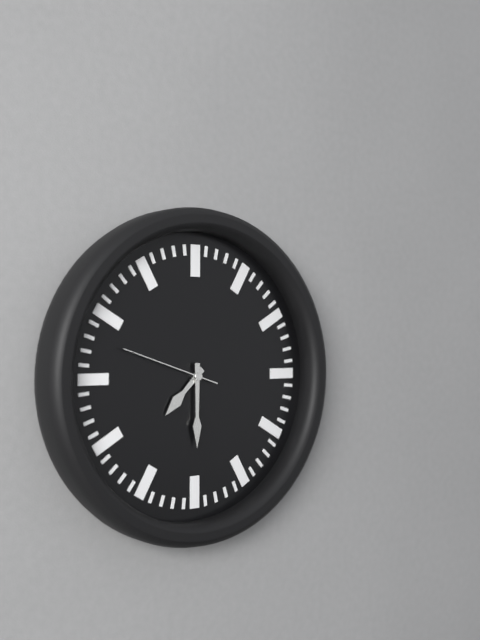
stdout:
7:30:48
